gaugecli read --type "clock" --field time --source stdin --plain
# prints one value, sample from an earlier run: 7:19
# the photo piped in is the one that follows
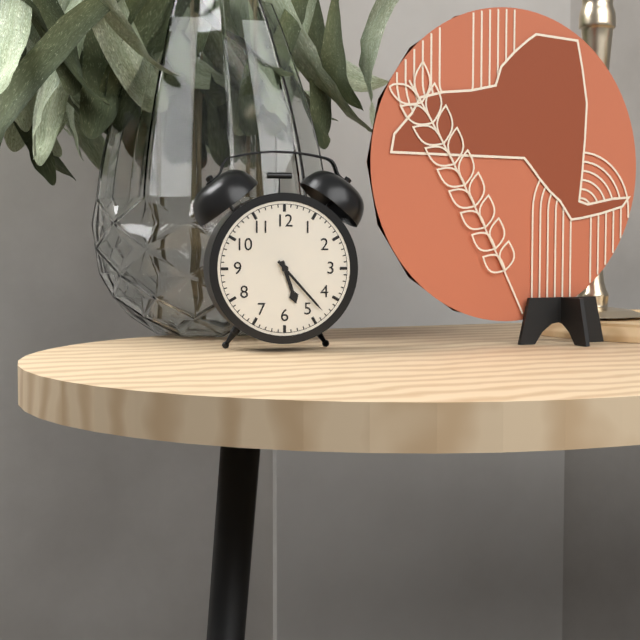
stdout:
5:23
